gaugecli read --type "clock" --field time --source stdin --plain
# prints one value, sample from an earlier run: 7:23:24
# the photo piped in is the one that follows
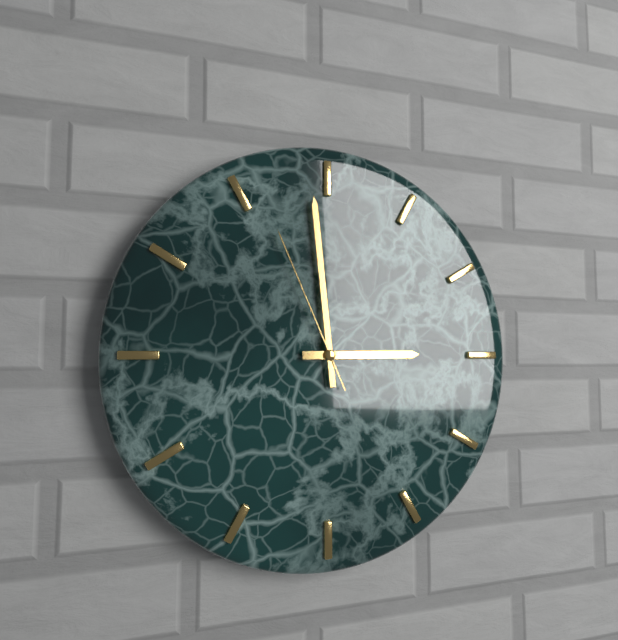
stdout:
2:59:56
